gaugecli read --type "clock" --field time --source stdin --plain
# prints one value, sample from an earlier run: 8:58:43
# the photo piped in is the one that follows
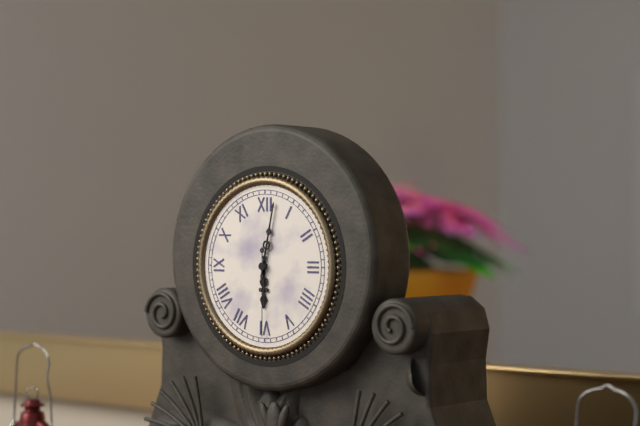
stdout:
6:02:30
